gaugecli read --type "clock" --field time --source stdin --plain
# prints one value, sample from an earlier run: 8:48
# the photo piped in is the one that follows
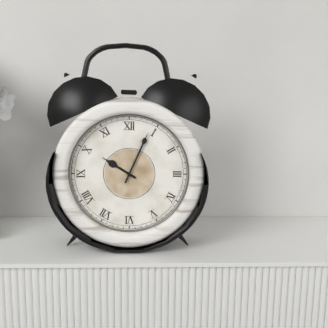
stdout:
10:04
